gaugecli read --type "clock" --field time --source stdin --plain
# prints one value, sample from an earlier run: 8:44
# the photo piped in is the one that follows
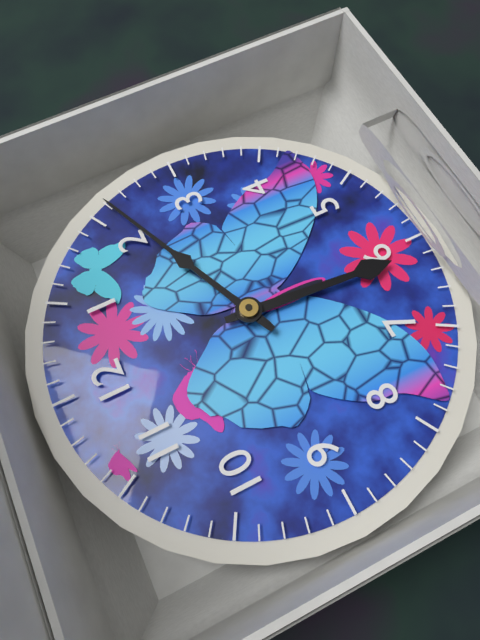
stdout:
6:11
